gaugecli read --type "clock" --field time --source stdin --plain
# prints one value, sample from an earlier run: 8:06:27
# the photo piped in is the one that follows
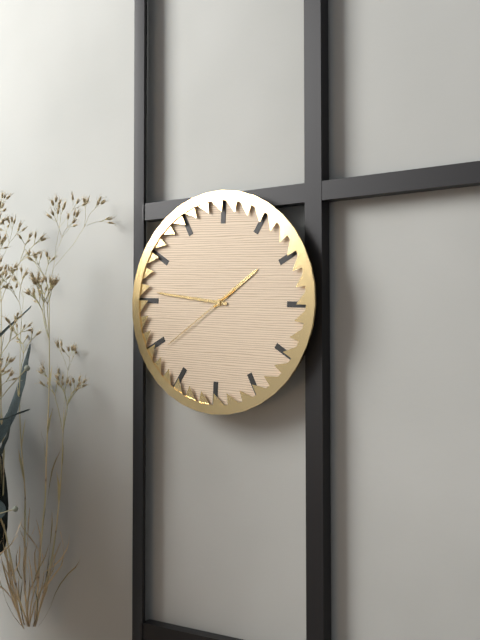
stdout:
1:46:39
